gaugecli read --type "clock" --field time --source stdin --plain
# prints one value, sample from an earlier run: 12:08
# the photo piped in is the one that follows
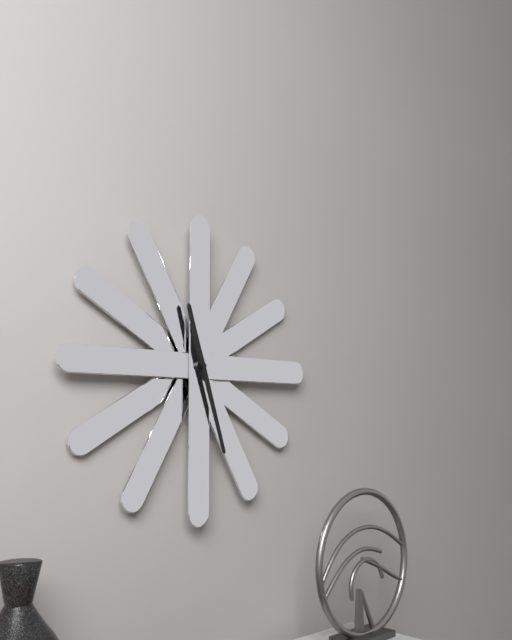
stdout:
11:27
